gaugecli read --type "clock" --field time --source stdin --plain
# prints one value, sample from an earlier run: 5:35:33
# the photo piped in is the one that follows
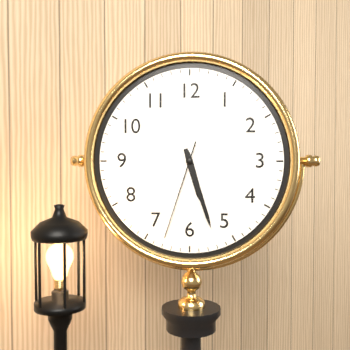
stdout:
5:27:33
